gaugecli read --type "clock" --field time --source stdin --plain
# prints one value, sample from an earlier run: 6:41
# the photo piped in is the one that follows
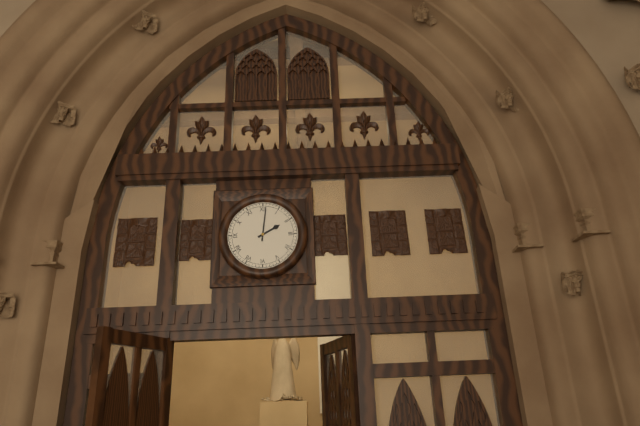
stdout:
2:01
